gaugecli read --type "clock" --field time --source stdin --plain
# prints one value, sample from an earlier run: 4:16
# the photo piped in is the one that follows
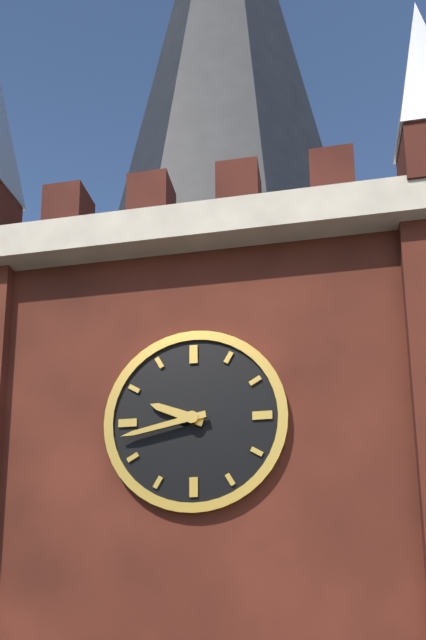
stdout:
9:43
